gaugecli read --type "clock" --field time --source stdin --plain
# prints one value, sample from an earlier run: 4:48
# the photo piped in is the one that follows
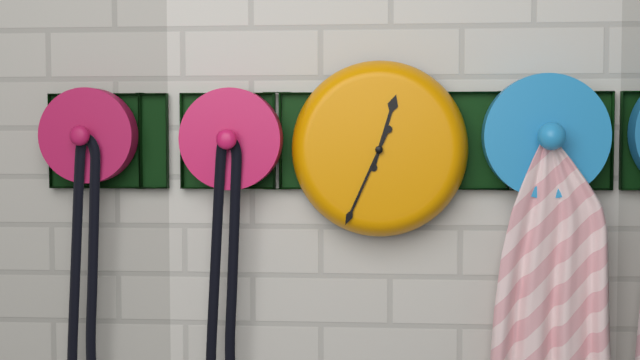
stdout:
12:34
